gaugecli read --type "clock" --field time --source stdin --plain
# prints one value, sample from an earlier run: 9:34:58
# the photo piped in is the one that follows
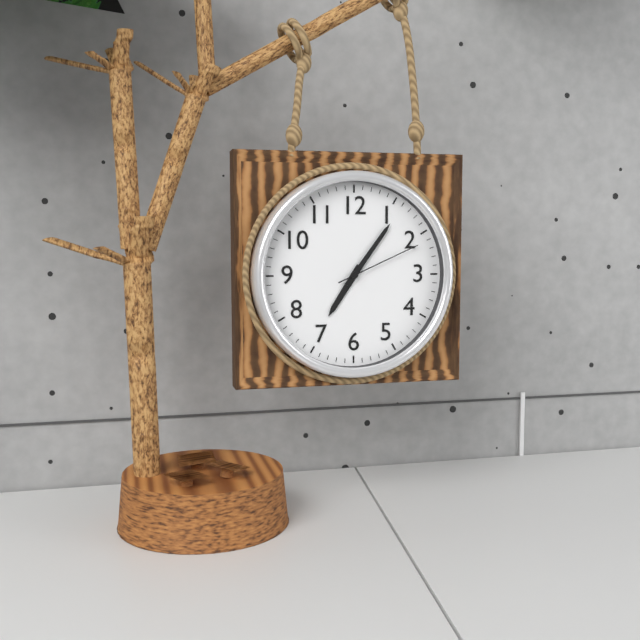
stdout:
7:06:11
